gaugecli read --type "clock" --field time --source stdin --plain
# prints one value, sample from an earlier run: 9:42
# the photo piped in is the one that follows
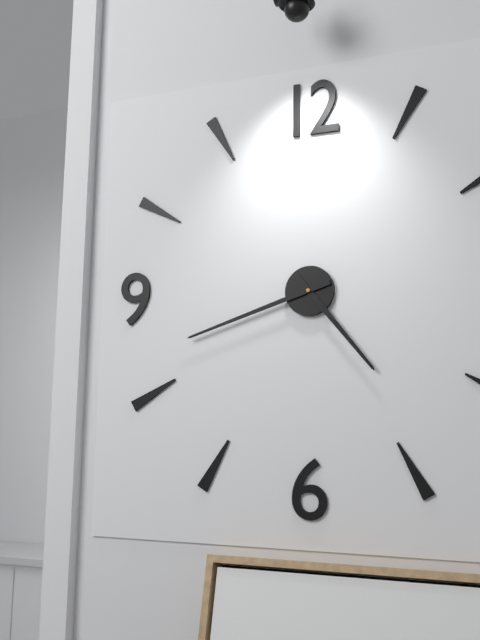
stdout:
4:42
